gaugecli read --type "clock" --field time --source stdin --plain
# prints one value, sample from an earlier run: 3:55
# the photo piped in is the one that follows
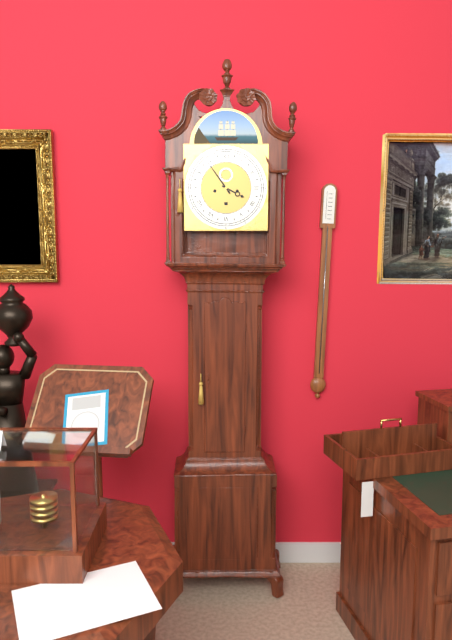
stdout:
3:54
